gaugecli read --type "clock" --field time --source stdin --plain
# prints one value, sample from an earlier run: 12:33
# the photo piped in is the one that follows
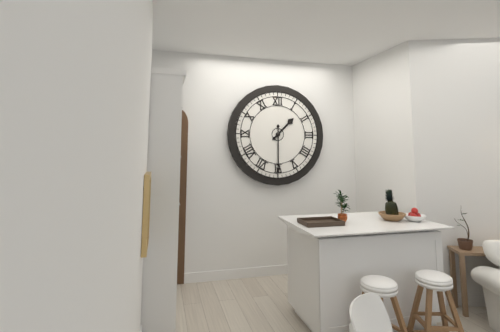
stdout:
1:30
